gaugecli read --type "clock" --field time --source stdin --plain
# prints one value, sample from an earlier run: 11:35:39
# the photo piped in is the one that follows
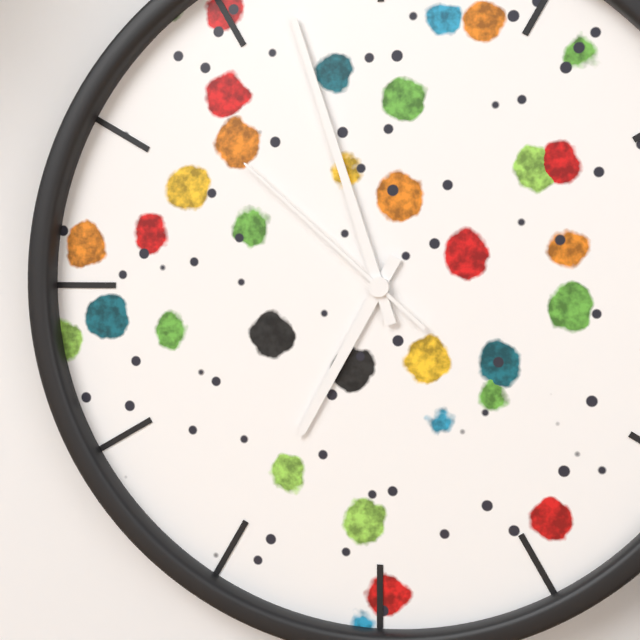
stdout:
6:57:52
